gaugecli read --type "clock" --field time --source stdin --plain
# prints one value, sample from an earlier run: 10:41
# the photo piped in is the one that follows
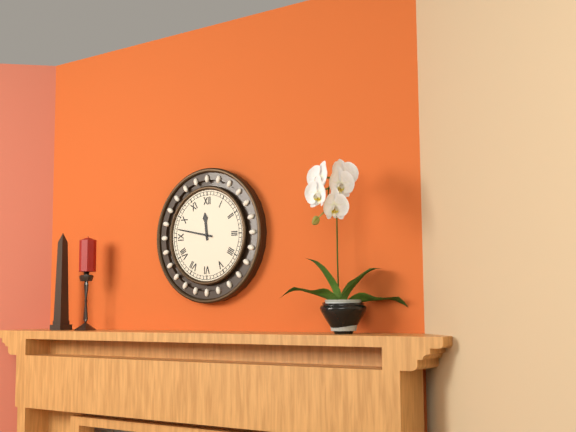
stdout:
11:47
